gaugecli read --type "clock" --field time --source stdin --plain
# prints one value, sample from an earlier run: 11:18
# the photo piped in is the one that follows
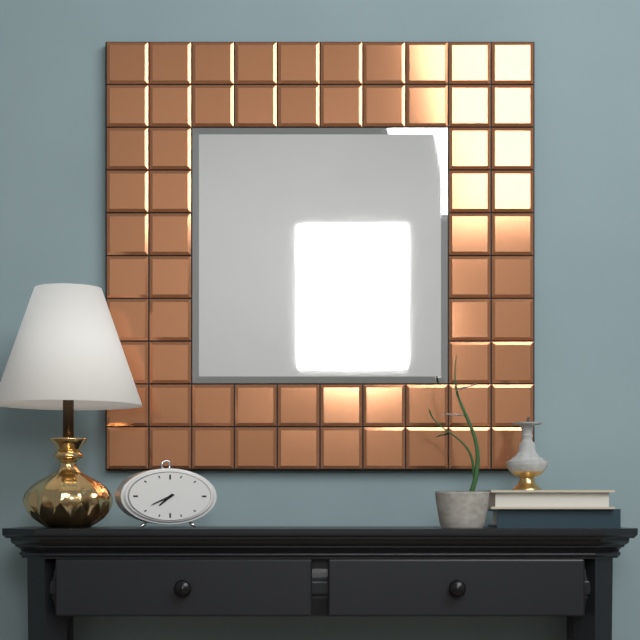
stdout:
7:41
